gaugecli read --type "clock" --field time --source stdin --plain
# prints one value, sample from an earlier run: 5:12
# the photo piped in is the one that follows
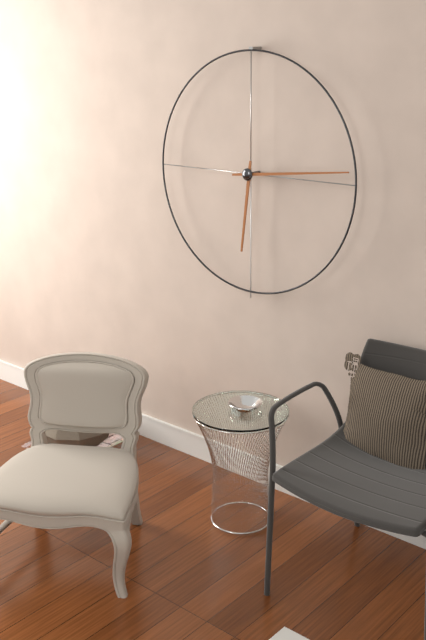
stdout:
6:14
